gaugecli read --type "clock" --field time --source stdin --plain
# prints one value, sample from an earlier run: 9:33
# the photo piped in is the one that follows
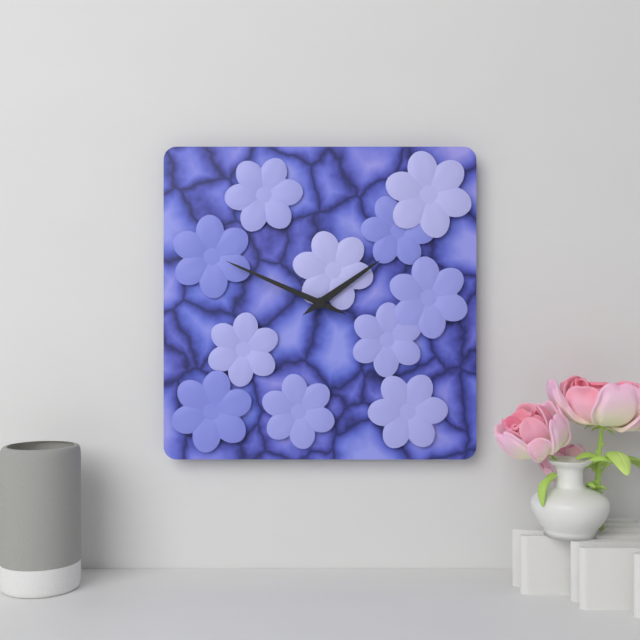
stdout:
1:49
